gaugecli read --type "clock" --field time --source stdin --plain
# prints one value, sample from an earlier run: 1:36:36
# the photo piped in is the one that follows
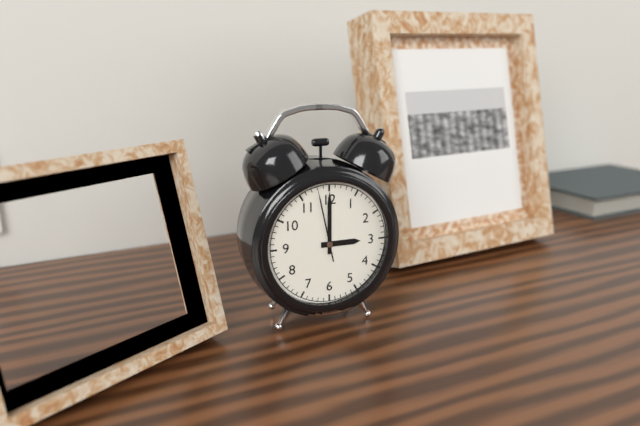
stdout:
3:00:58
